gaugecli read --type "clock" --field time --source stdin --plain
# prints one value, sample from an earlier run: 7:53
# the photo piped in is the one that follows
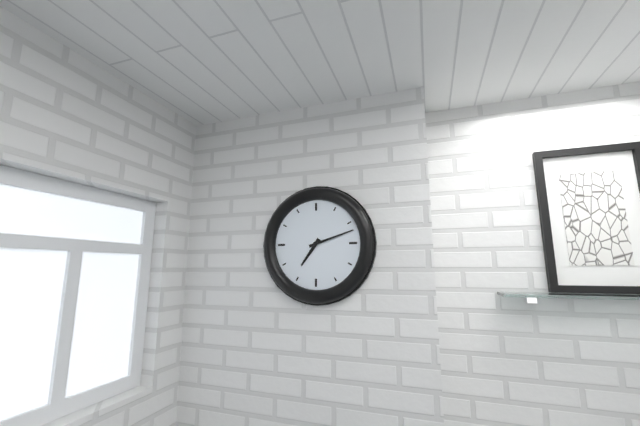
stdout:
7:12
